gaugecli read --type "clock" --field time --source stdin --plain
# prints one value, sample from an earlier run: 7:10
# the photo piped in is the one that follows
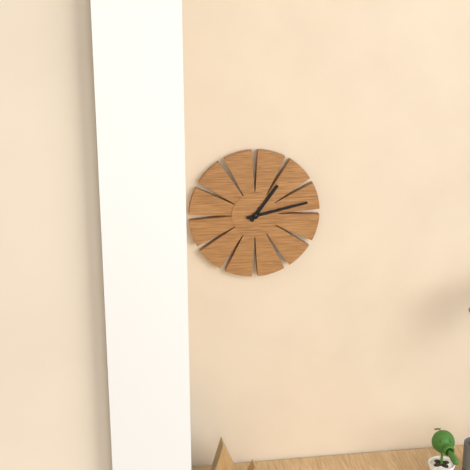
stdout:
1:13
